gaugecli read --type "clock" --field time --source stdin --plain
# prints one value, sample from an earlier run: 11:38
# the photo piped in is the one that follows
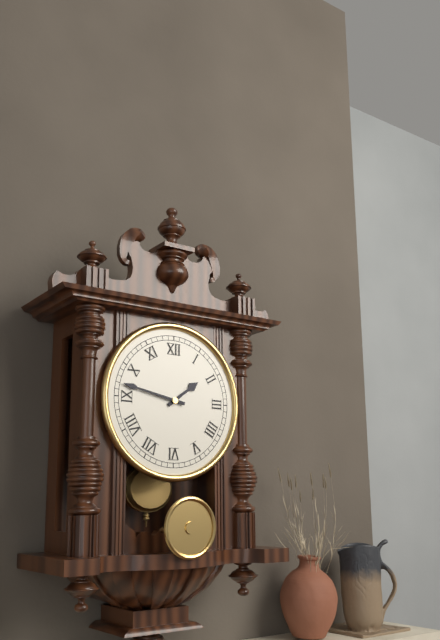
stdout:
1:47
